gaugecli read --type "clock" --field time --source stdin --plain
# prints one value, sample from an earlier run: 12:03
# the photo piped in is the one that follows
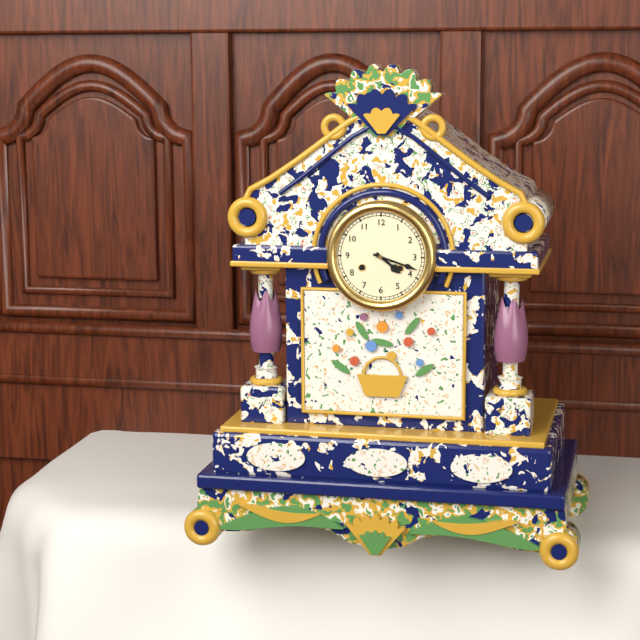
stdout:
4:18
